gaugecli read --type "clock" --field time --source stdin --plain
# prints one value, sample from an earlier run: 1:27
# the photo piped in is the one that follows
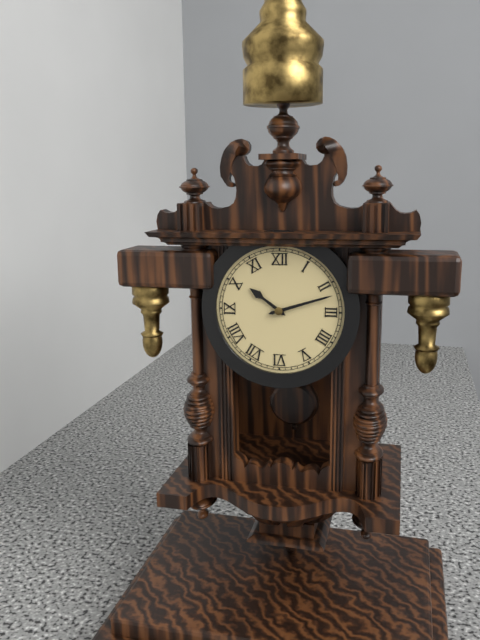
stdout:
10:12
